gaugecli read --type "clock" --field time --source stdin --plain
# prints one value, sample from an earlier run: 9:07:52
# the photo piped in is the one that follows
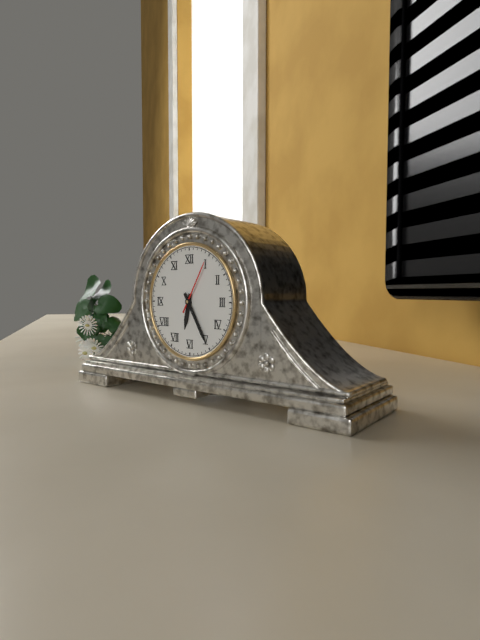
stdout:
6:25:05
